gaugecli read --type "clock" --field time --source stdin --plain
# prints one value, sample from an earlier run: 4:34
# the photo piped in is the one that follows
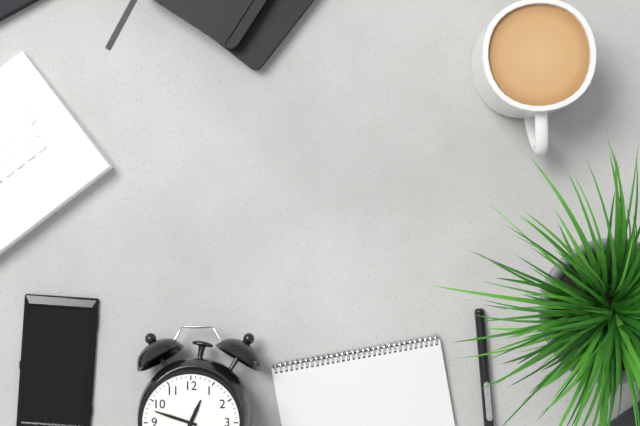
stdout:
12:48
